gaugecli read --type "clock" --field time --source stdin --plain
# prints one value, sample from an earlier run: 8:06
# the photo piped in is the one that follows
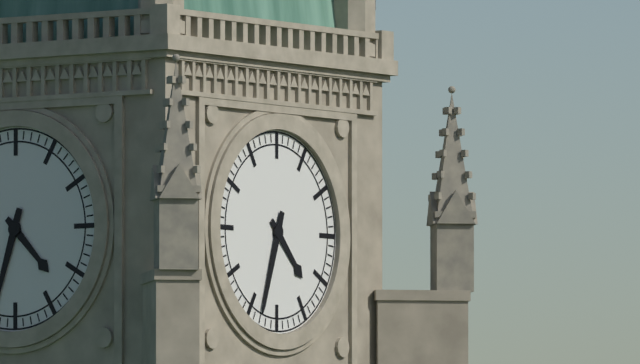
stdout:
4:33
